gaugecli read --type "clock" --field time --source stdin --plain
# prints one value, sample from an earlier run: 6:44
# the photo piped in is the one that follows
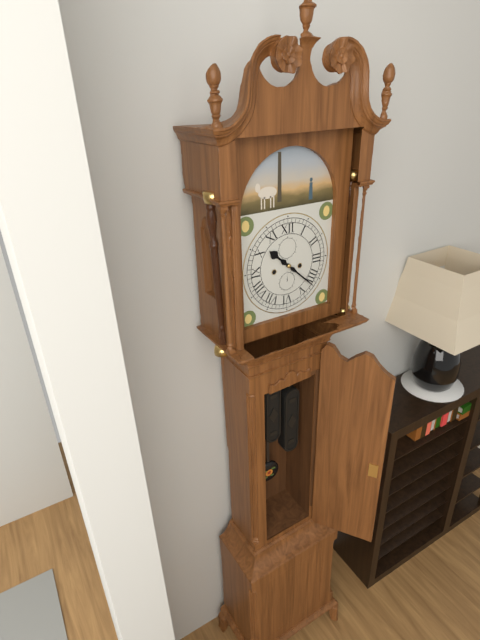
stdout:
10:22
